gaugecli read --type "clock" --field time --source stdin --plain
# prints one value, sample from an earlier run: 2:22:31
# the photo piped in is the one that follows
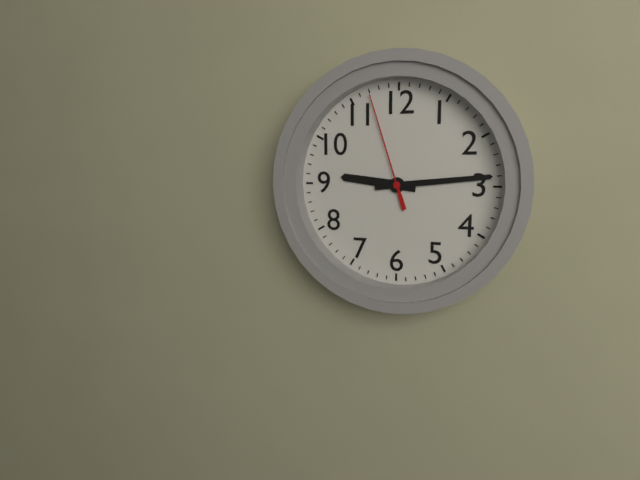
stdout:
9:14:57
